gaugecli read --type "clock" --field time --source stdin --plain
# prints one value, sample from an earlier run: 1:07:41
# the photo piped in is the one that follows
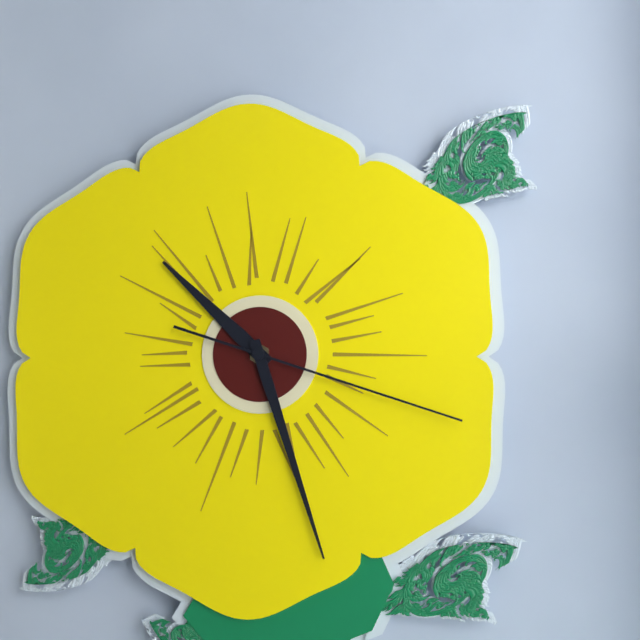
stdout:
10:27:18
